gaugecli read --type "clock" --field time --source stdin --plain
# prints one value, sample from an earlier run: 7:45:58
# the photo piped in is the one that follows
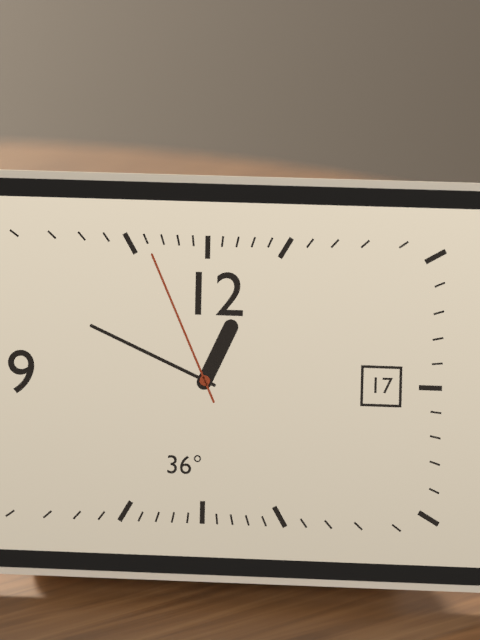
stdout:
12:49:56
